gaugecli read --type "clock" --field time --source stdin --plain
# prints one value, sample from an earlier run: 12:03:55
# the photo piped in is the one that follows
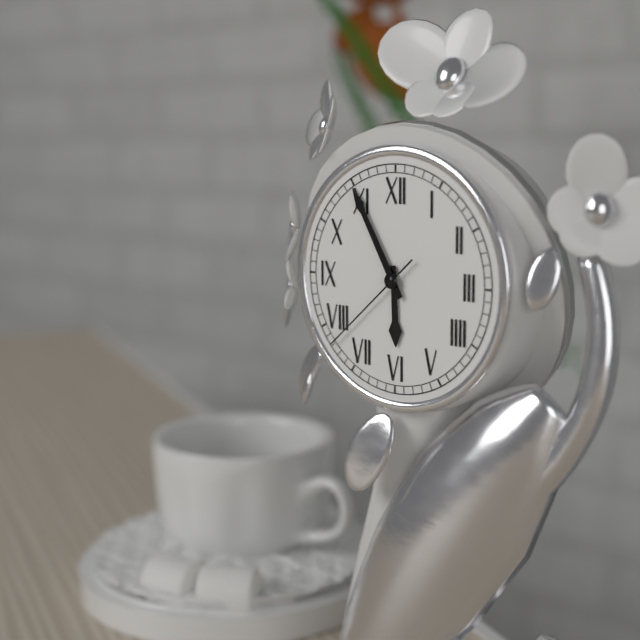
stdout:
5:55:38
